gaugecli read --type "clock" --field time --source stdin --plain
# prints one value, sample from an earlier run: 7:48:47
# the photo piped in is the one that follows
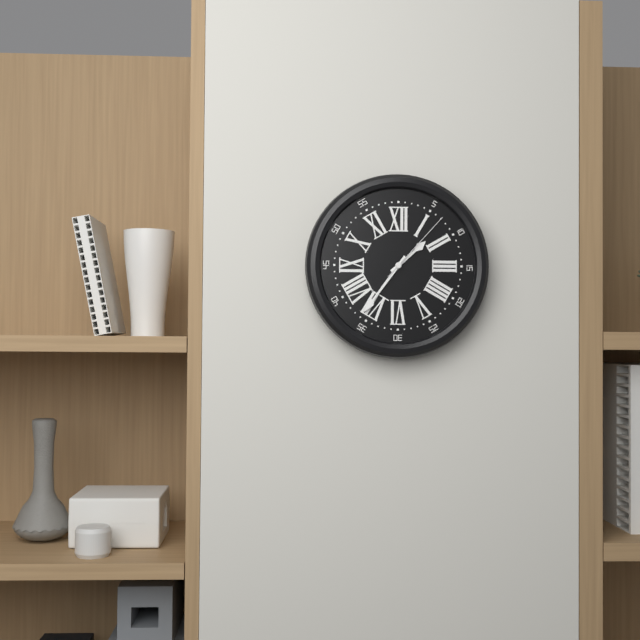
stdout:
1:36:07
